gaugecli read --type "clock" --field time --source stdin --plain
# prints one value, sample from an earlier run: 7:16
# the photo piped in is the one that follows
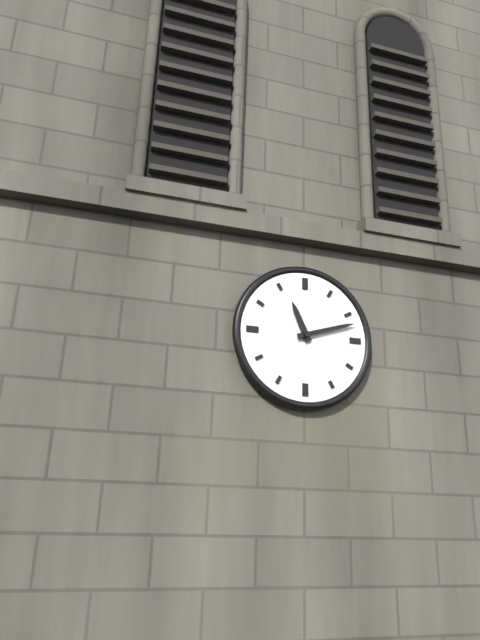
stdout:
11:12
